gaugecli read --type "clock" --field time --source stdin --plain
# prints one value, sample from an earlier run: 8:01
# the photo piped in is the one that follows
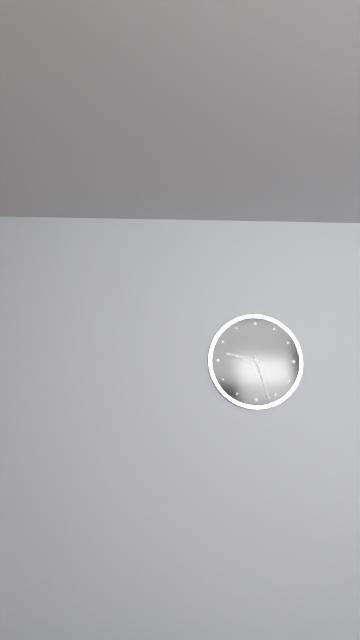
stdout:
9:27
